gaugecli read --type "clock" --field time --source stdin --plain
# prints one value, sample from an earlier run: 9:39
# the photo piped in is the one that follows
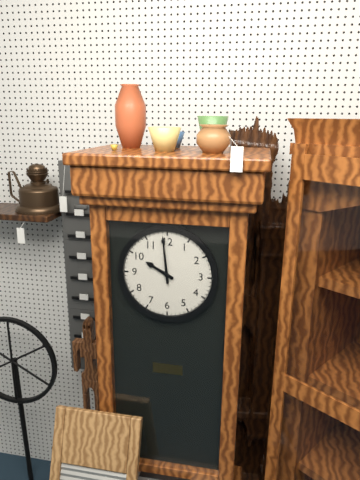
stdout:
9:59
